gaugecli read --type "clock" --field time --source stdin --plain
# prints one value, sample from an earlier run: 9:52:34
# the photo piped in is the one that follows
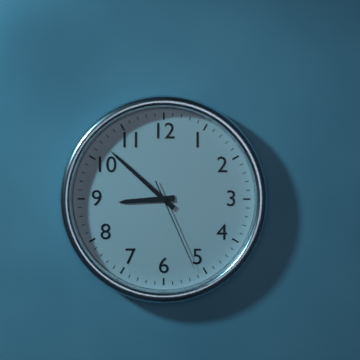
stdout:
8:52:26
